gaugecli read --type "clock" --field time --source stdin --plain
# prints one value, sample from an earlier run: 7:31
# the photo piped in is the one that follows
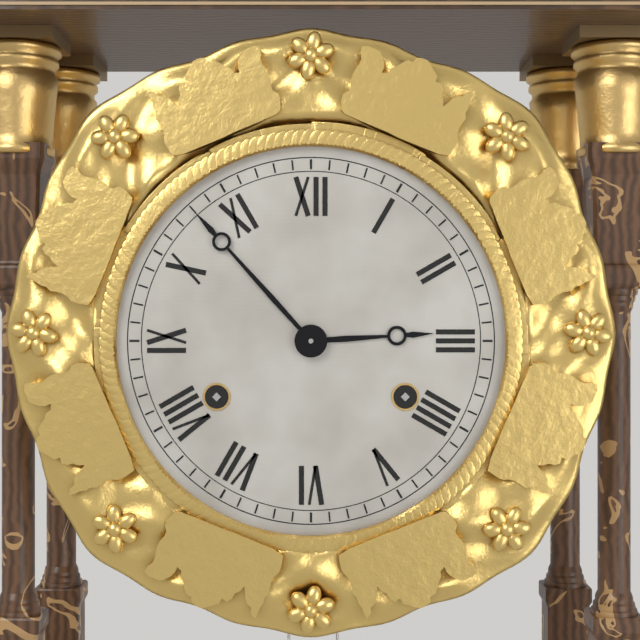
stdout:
2:53
